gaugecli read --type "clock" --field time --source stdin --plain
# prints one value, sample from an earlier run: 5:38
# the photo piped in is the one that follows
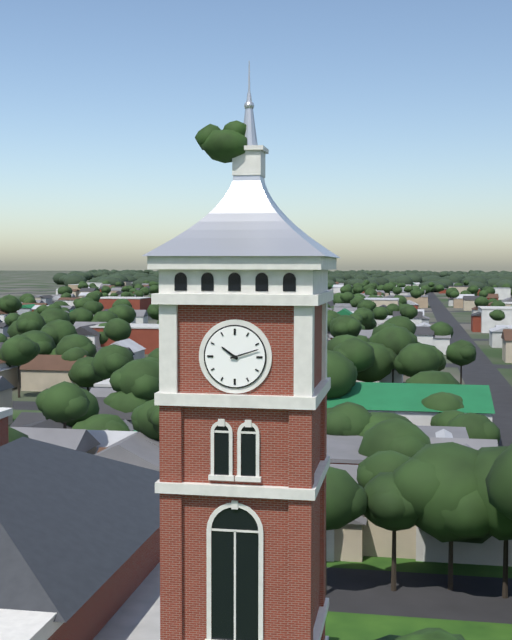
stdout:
10:12
